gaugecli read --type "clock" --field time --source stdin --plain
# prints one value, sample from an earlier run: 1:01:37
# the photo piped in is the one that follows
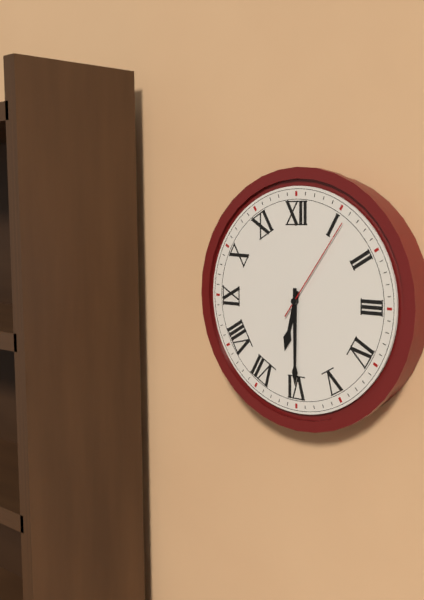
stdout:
6:30:06
